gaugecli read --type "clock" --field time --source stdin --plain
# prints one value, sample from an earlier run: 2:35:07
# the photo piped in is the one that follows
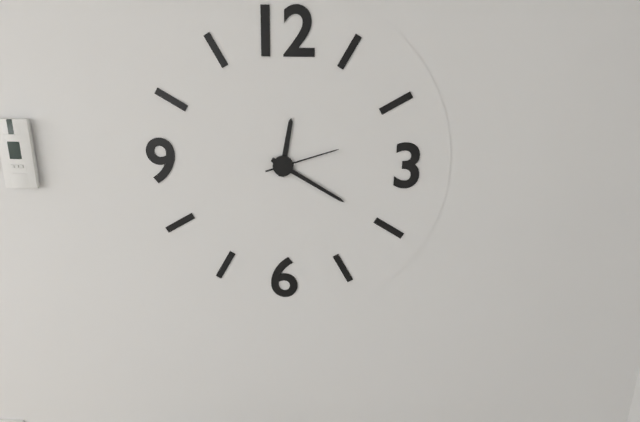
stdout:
12:20:12
